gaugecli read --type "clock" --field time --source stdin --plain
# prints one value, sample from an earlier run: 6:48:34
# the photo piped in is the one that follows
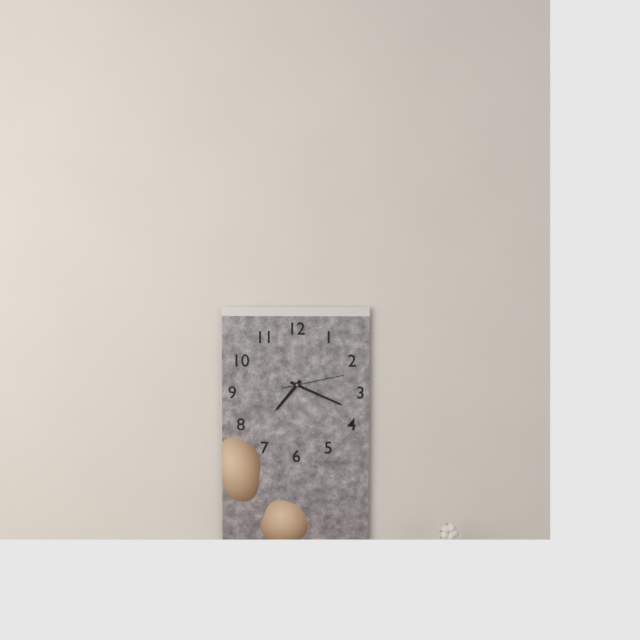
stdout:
7:19:13
